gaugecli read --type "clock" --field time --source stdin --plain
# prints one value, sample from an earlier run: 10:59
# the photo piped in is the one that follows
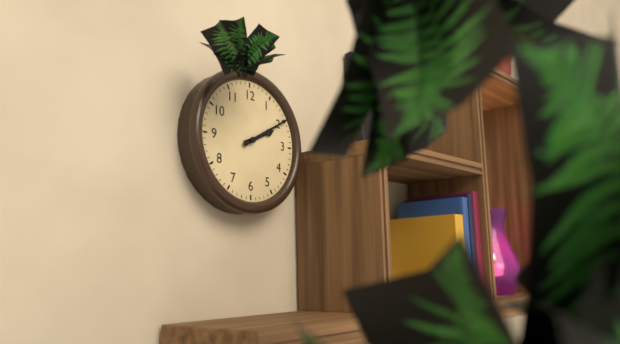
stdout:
2:10
